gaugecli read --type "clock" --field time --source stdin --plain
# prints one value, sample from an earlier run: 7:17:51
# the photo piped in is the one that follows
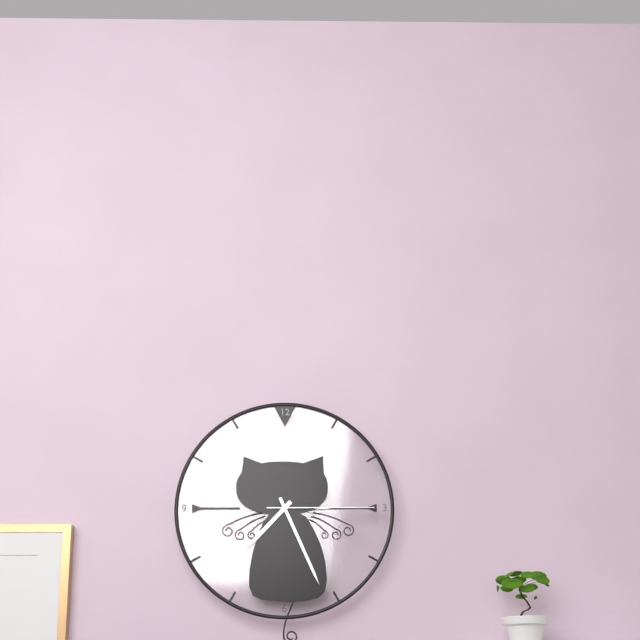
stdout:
7:26:15
